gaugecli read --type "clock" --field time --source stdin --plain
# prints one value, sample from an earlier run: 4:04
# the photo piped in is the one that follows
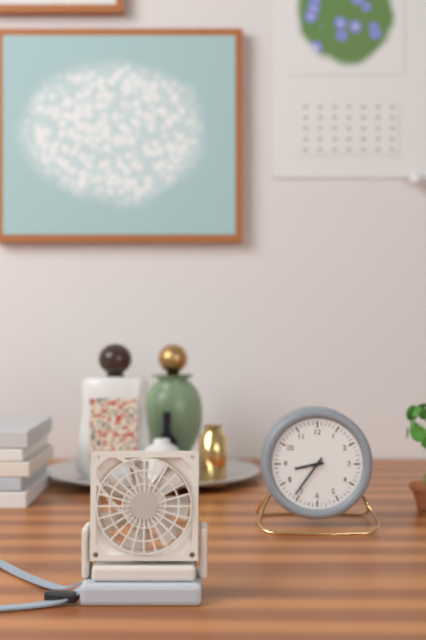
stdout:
8:36
